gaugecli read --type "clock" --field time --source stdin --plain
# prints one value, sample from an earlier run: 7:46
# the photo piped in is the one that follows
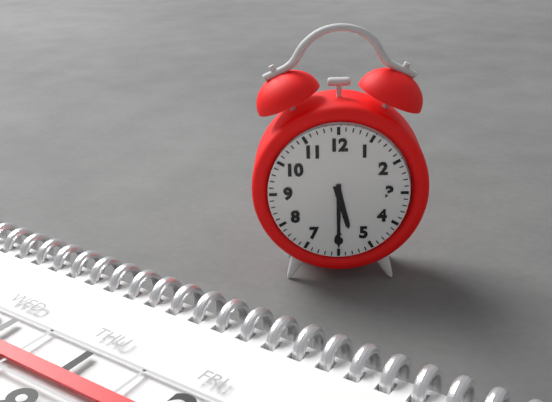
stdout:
5:30
